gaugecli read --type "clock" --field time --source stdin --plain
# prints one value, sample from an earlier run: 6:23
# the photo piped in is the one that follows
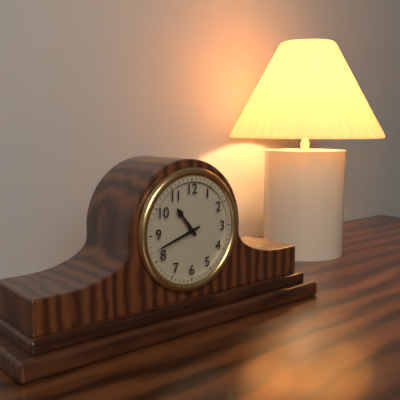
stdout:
10:42
